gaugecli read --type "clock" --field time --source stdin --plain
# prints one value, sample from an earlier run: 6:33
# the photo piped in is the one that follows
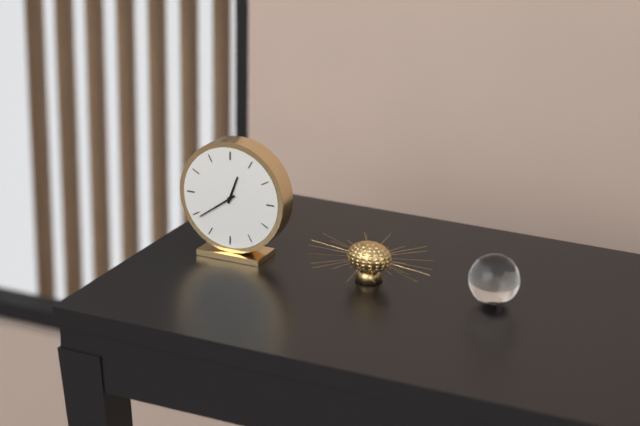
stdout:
12:39
